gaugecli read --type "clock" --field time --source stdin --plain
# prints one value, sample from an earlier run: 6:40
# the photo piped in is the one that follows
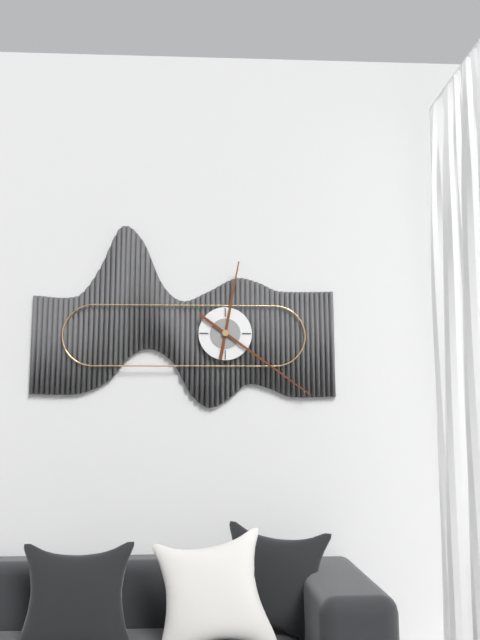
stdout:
12:21
